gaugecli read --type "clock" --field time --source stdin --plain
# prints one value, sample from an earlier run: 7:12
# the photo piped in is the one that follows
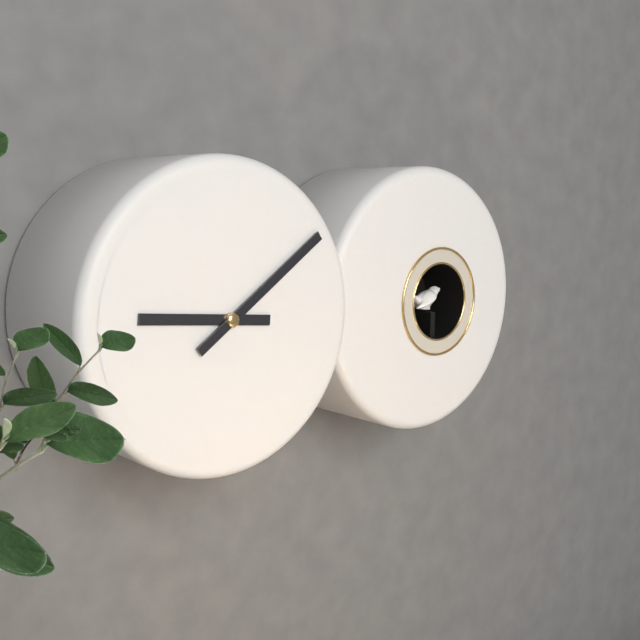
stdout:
9:09
